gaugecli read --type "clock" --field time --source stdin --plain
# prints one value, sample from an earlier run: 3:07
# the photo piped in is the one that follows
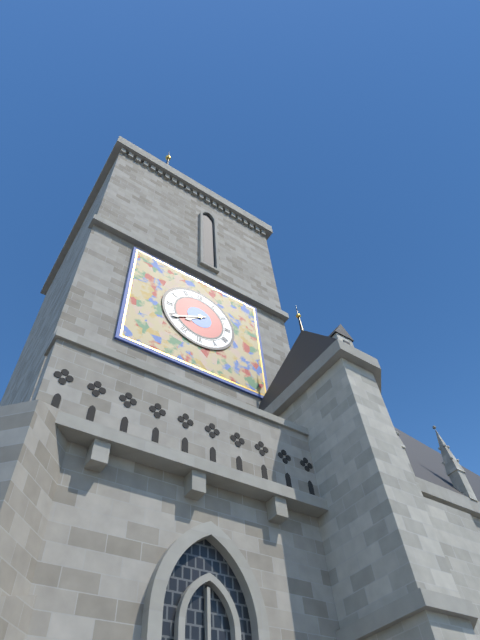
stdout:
7:40
